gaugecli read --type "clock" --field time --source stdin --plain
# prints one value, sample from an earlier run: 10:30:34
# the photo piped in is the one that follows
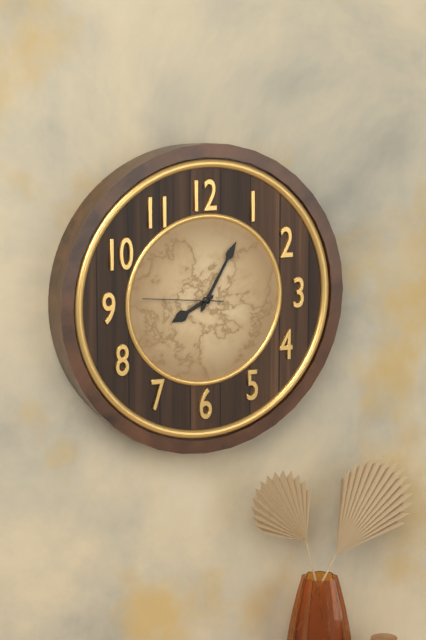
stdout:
8:05:46
